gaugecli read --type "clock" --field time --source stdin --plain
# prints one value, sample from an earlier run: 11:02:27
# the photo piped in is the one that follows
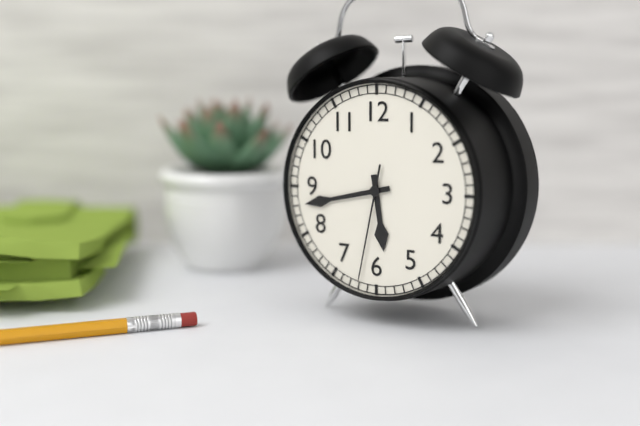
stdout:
5:43:32
